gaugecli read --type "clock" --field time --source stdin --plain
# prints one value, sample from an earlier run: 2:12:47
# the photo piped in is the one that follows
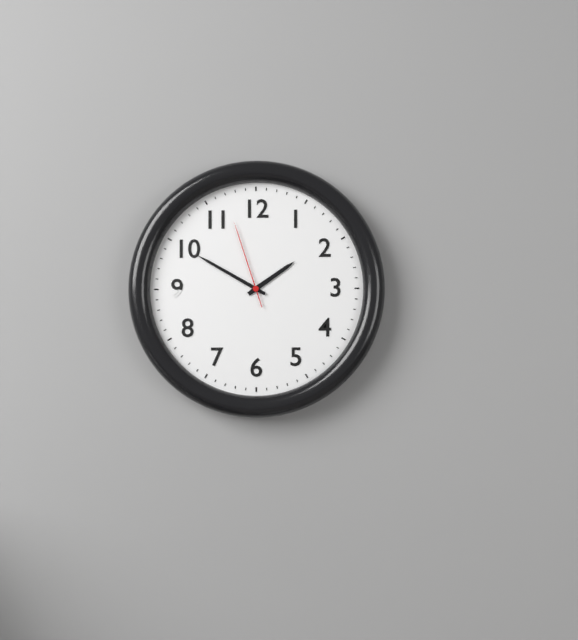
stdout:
1:50:57
